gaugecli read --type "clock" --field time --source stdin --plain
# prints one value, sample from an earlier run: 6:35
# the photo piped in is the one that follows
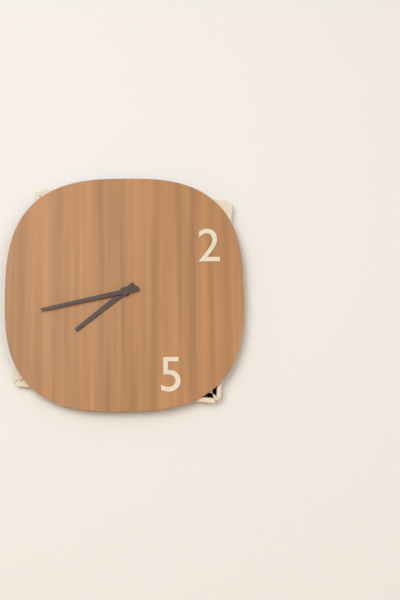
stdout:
7:43
